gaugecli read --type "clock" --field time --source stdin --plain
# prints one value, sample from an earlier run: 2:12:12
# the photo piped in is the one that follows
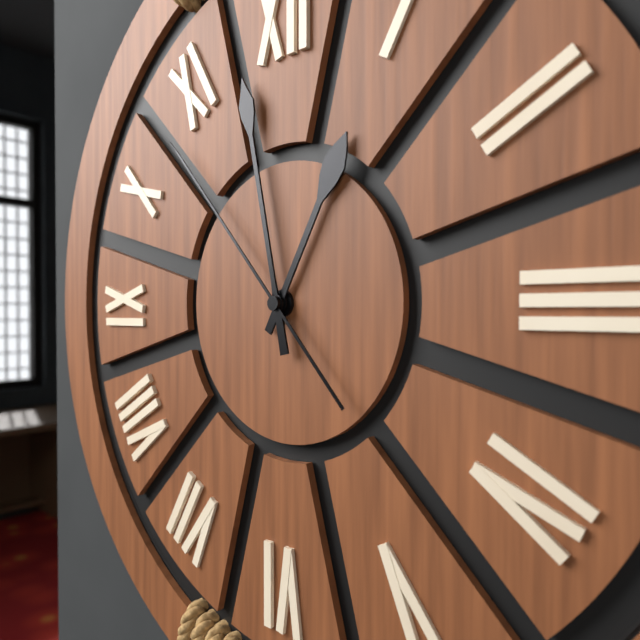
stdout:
12:58:53
